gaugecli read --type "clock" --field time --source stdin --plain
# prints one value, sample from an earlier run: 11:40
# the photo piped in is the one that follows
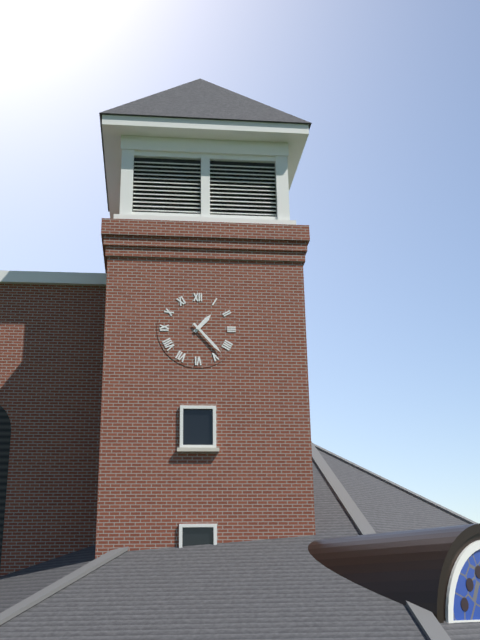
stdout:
1:23
